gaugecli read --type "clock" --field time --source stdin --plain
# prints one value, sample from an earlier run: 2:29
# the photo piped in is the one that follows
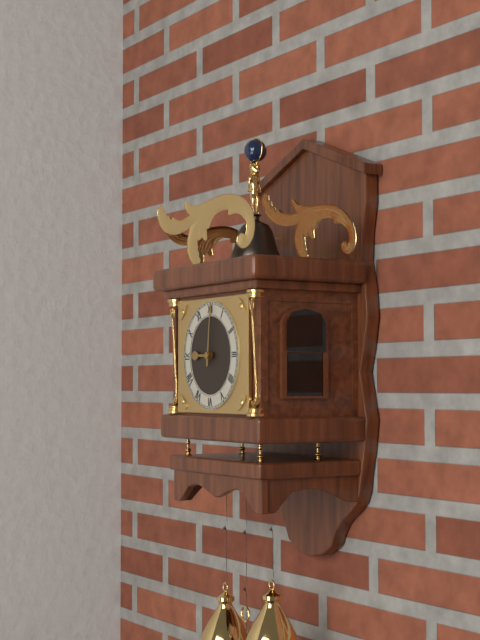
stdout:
9:01
